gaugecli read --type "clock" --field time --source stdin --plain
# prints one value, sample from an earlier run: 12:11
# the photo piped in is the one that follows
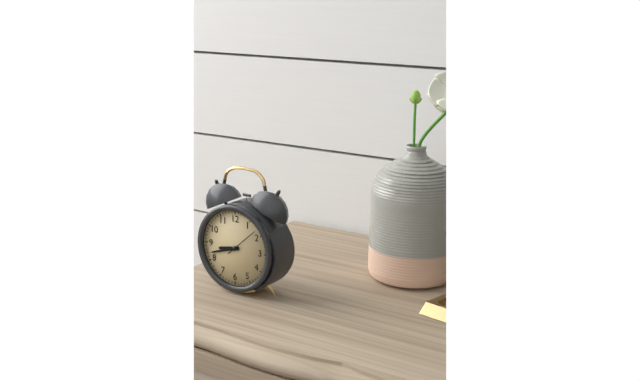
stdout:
8:42
